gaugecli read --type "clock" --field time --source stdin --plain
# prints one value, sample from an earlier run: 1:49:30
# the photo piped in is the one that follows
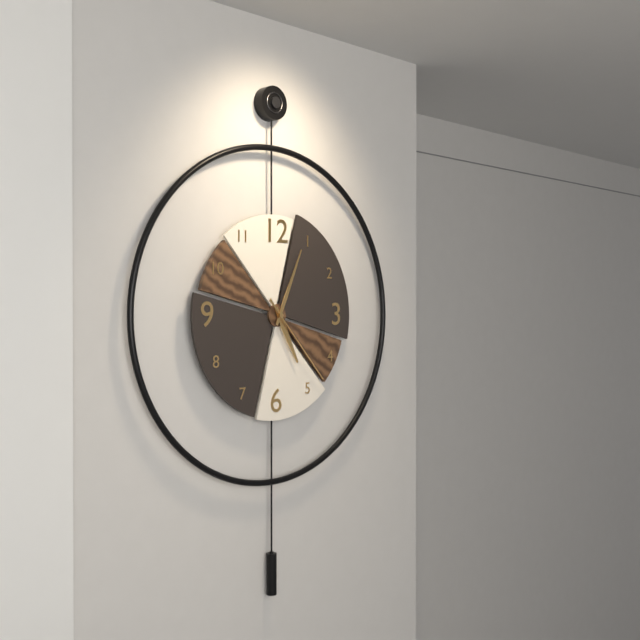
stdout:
5:04:23
